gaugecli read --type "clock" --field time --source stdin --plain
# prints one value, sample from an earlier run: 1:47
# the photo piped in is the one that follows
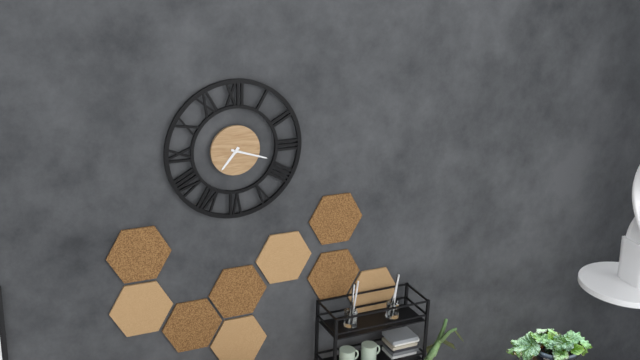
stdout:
7:18
